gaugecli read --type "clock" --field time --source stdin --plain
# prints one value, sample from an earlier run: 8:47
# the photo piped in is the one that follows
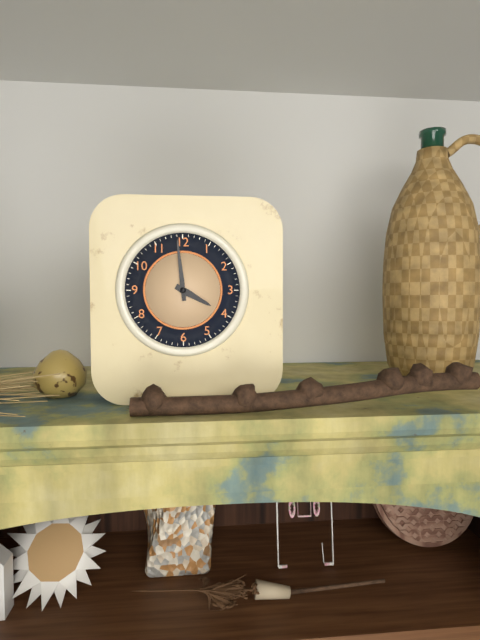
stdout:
3:59
